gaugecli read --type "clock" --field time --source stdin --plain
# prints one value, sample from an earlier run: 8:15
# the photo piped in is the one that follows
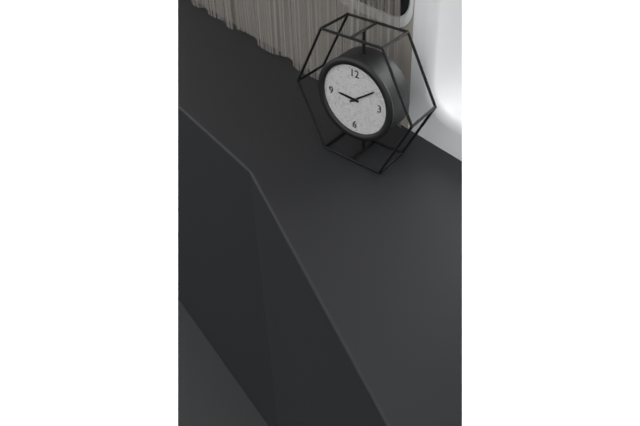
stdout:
9:09
